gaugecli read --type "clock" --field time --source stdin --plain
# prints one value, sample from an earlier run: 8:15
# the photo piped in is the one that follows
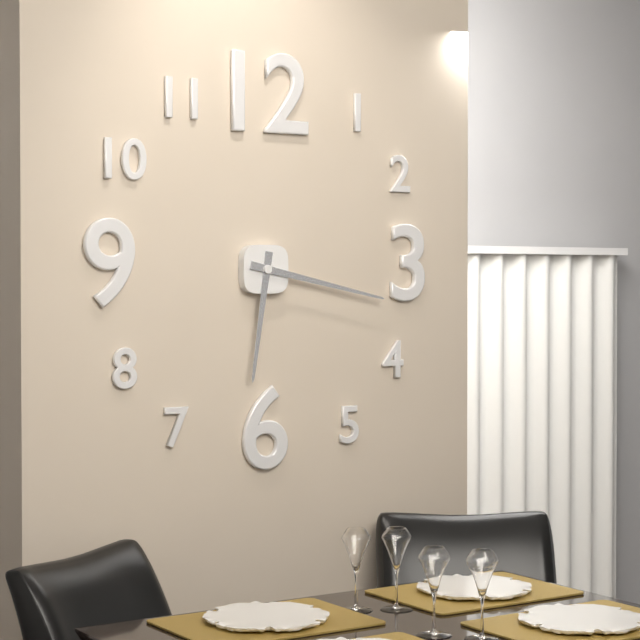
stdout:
6:17
